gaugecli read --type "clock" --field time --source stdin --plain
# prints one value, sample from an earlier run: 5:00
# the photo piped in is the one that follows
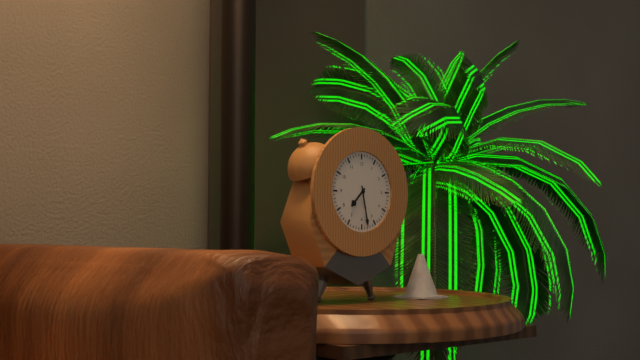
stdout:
7:28
